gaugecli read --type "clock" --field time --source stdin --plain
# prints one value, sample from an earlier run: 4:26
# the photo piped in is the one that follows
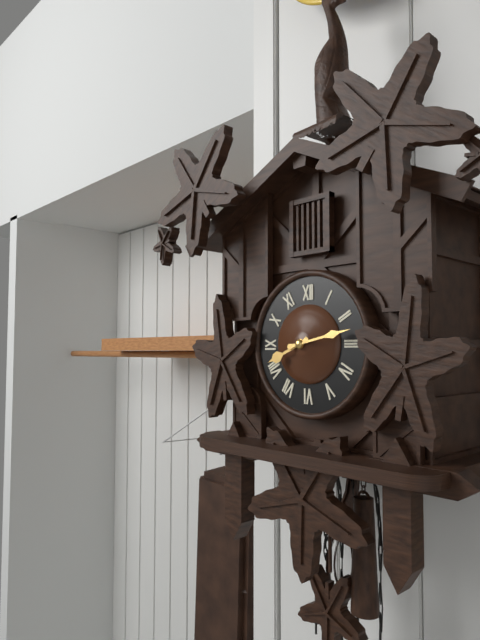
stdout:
8:13
